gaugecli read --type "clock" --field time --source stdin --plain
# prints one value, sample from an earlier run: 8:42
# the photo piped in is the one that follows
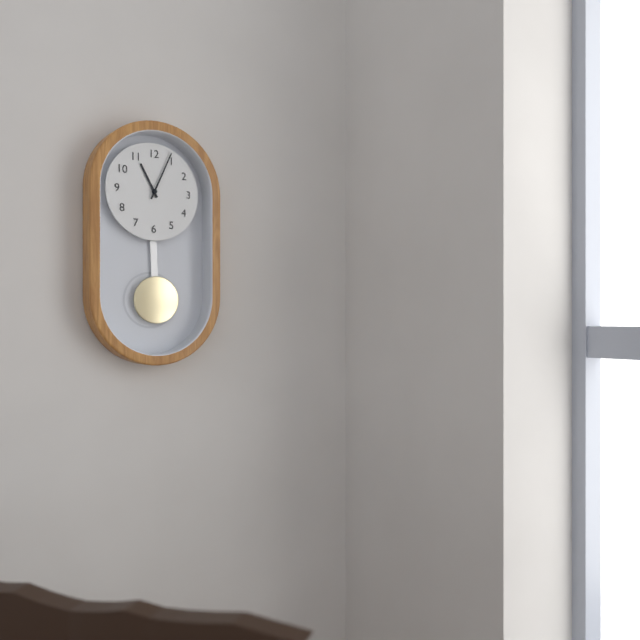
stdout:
11:04
